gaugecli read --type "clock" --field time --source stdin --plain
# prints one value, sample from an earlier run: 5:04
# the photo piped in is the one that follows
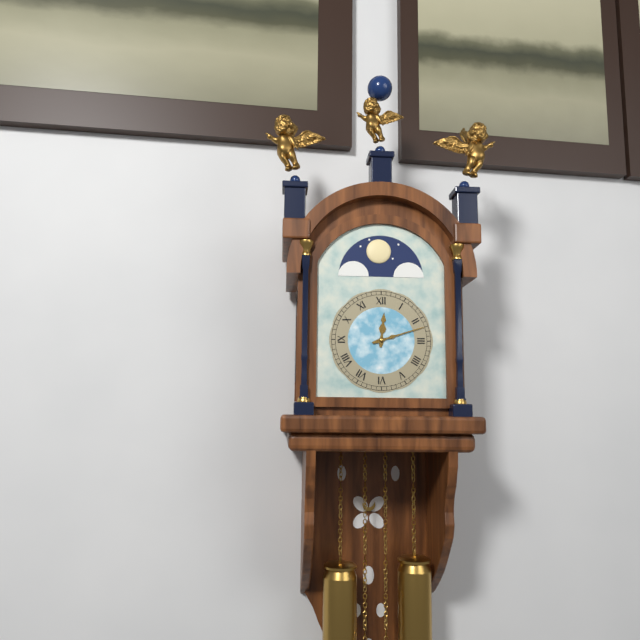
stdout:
12:12
